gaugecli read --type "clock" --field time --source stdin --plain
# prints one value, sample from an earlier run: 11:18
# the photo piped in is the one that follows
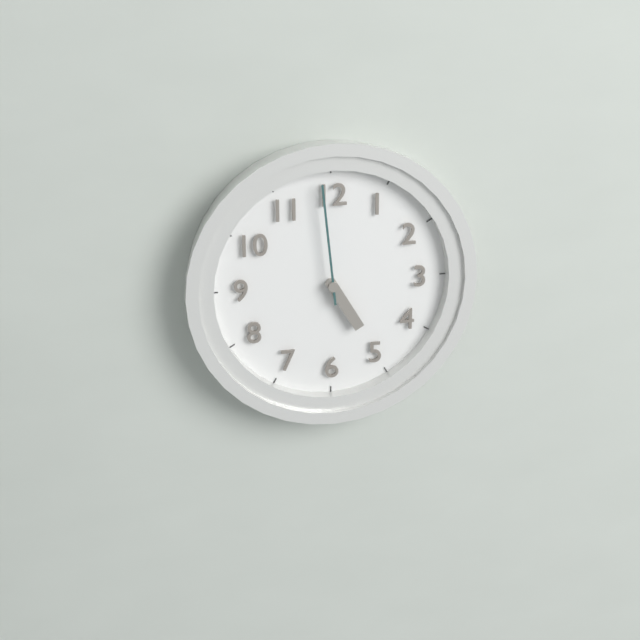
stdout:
4:59
